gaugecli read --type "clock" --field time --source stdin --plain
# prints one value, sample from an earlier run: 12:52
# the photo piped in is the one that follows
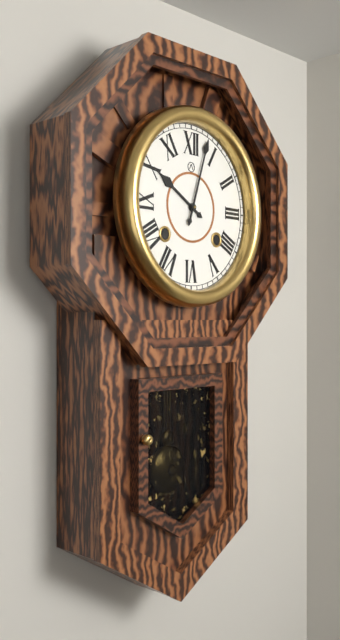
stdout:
10:03
